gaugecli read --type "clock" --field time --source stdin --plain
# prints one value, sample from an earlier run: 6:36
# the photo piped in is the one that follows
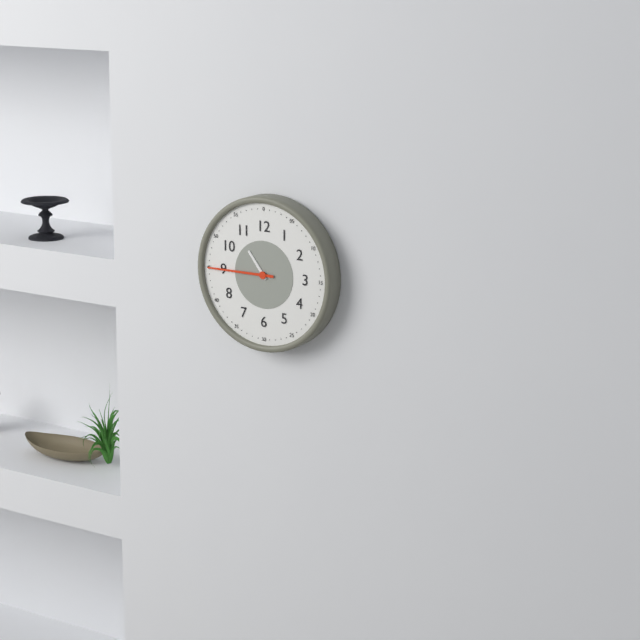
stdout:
10:45
